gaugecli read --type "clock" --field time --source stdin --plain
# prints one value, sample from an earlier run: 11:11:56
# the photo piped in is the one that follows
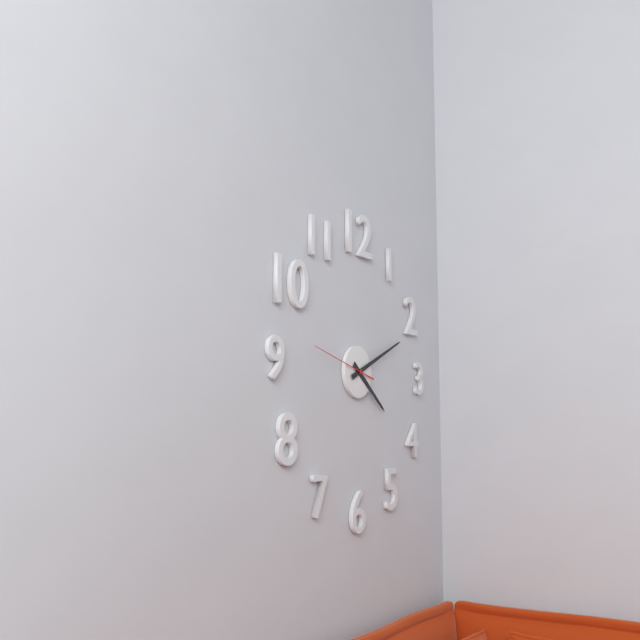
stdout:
4:11:47
